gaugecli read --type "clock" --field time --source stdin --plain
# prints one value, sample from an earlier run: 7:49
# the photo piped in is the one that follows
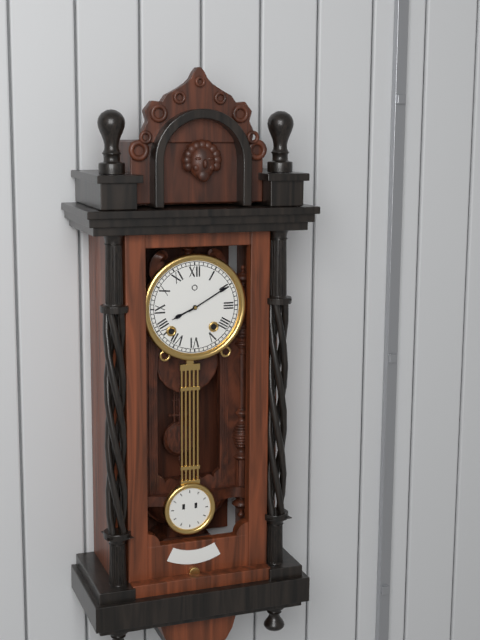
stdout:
8:10
